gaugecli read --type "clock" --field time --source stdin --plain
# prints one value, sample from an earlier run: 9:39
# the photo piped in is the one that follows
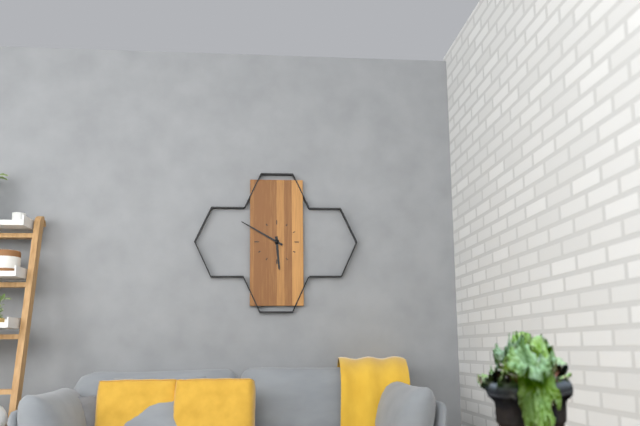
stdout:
5:50
